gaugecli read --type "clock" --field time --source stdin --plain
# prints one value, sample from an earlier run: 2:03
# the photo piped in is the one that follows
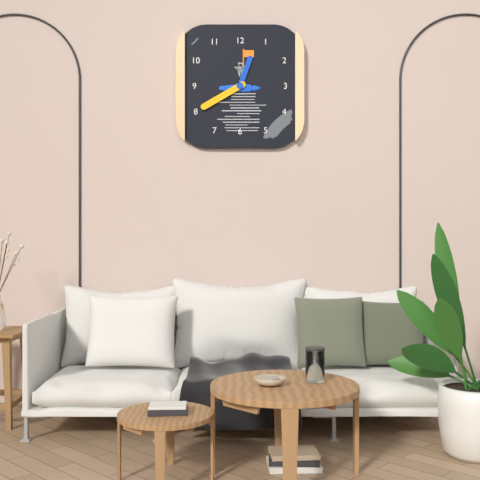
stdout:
12:40
